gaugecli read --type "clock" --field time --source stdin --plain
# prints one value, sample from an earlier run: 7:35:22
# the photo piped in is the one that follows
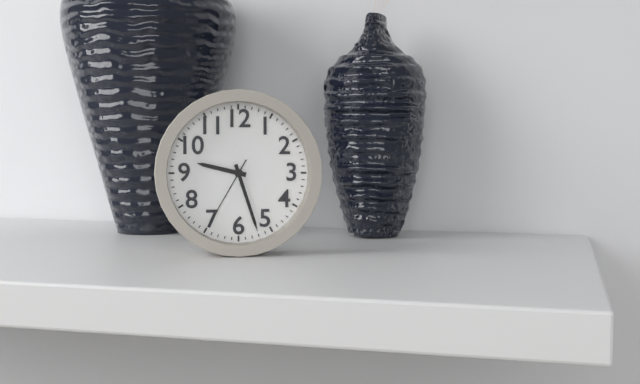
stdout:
9:27:35
